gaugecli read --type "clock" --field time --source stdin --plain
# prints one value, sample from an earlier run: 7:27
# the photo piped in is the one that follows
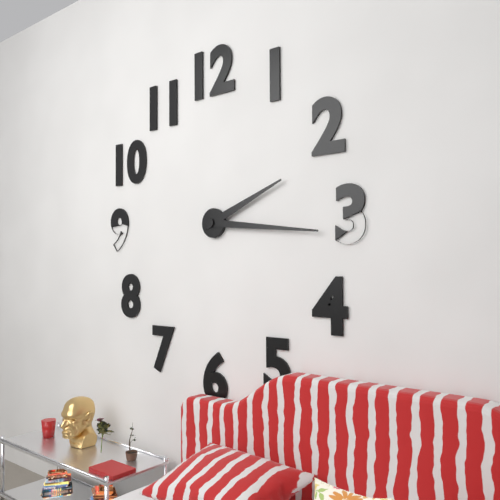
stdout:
2:16
